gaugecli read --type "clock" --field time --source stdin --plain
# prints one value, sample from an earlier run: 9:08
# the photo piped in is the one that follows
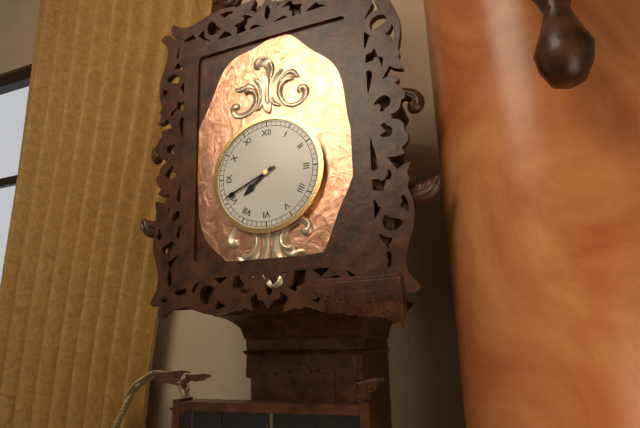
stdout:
7:41
